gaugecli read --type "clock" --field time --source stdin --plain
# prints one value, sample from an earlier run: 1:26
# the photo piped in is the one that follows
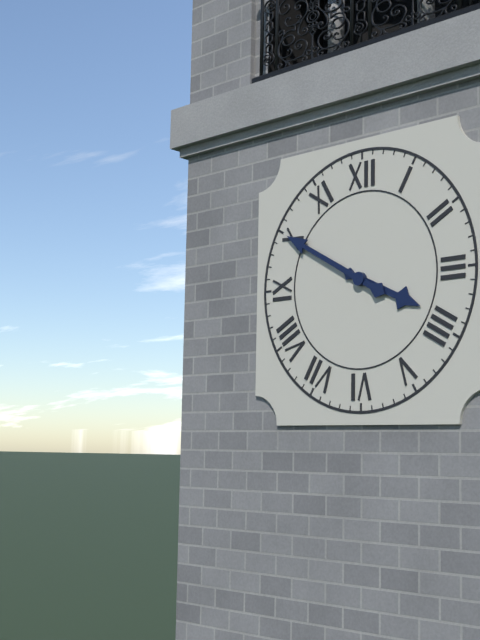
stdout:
3:50
